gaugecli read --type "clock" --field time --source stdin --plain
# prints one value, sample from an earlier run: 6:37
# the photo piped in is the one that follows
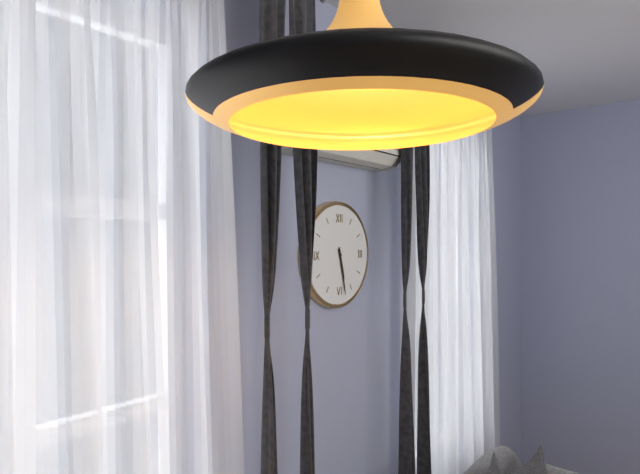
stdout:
5:28
